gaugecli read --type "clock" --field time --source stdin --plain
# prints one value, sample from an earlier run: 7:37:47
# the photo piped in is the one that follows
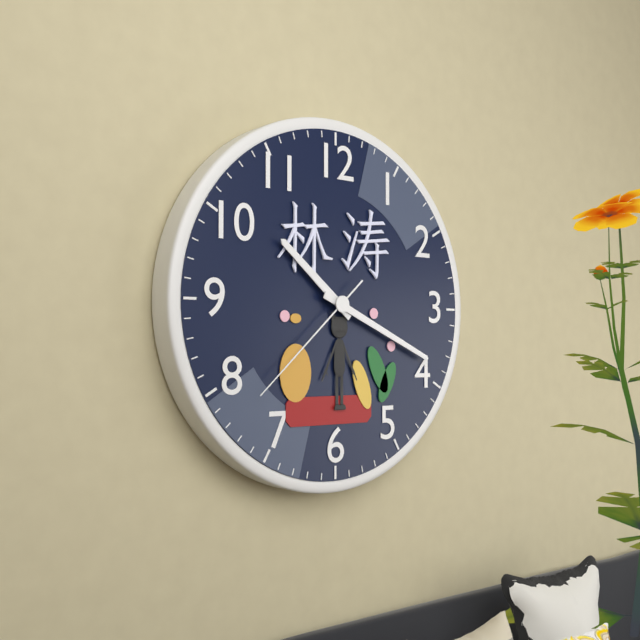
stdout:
10:19:38
